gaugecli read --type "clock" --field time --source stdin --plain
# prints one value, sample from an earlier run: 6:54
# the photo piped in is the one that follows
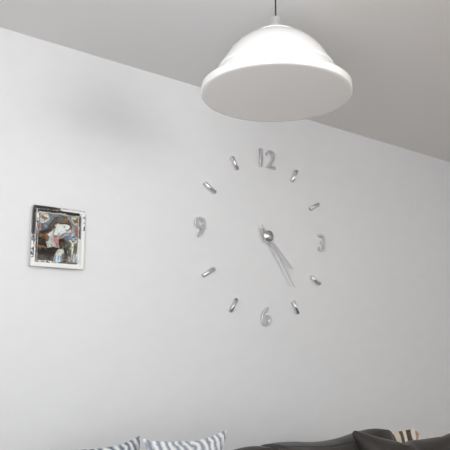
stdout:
4:24
